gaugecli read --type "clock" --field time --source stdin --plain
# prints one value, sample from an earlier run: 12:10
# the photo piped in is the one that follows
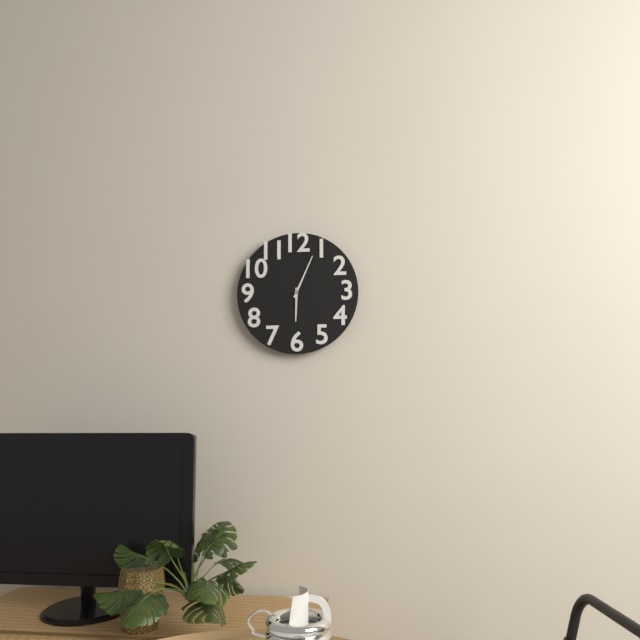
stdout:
6:04
